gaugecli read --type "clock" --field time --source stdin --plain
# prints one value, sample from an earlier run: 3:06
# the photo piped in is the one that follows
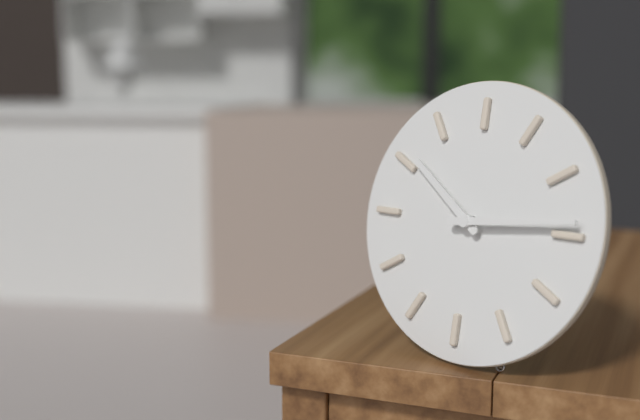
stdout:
10:14
